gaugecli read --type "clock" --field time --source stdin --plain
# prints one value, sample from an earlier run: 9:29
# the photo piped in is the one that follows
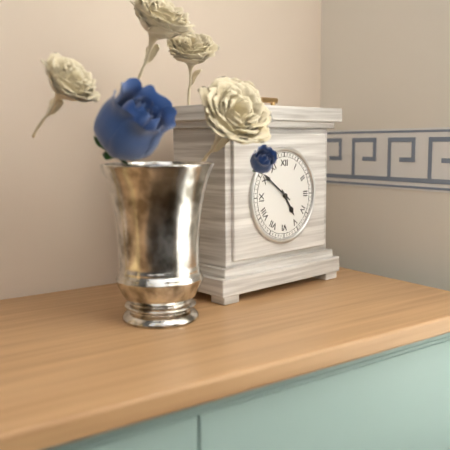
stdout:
4:51
